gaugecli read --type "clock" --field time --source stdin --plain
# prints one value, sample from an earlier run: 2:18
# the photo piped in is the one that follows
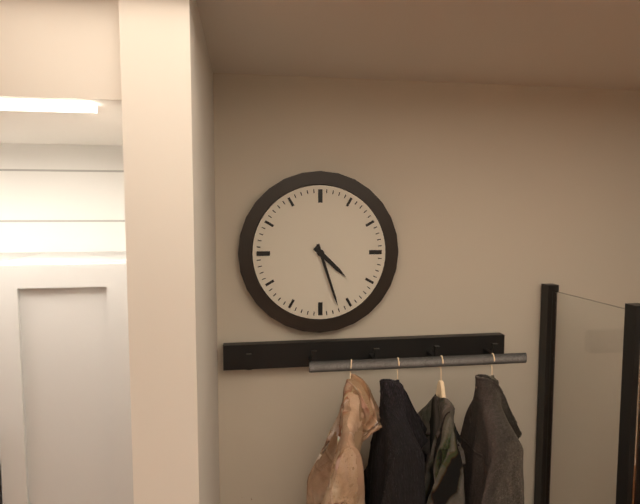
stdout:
4:27
